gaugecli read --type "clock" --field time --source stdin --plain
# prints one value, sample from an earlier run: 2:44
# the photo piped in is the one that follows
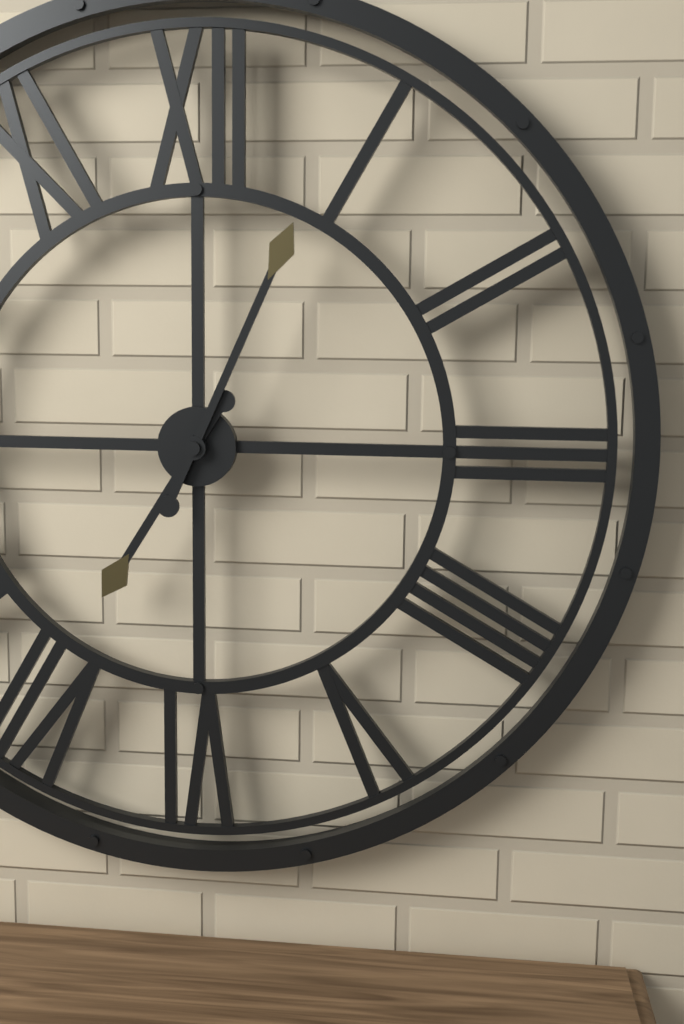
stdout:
7:04
